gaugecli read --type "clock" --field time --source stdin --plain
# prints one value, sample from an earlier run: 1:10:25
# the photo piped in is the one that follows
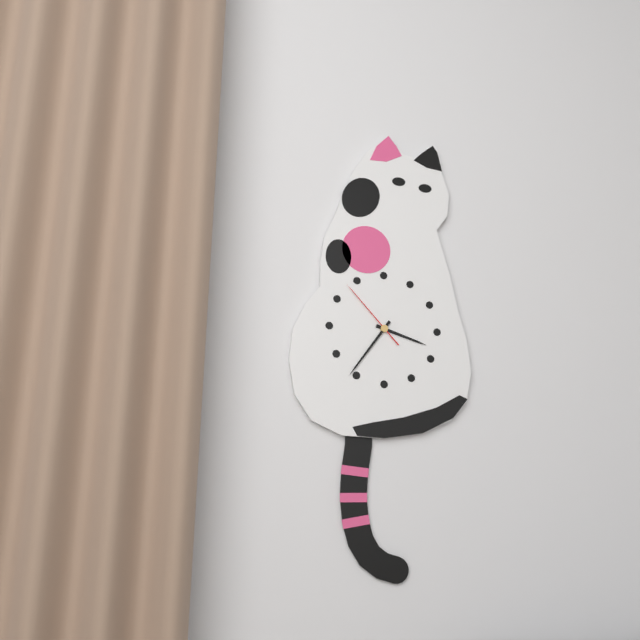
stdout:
3:36:53
